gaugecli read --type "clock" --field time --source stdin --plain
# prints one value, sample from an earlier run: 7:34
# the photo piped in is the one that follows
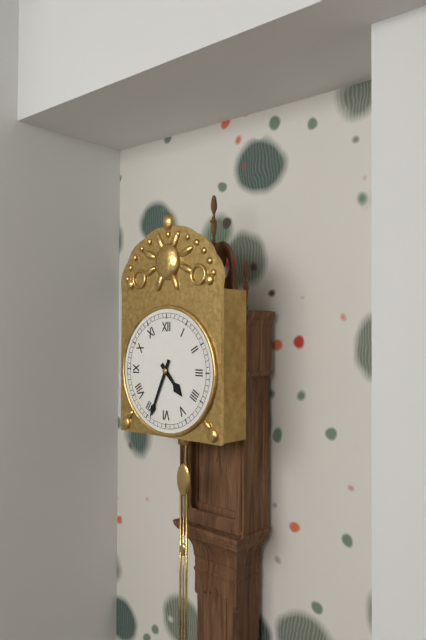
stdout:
4:34
